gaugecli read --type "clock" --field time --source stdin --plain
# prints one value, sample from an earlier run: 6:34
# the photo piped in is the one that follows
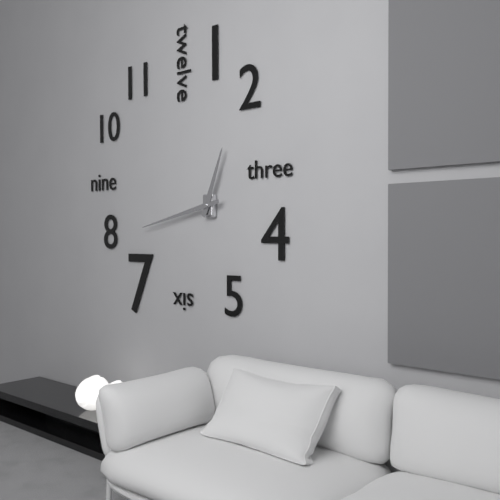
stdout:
12:43
